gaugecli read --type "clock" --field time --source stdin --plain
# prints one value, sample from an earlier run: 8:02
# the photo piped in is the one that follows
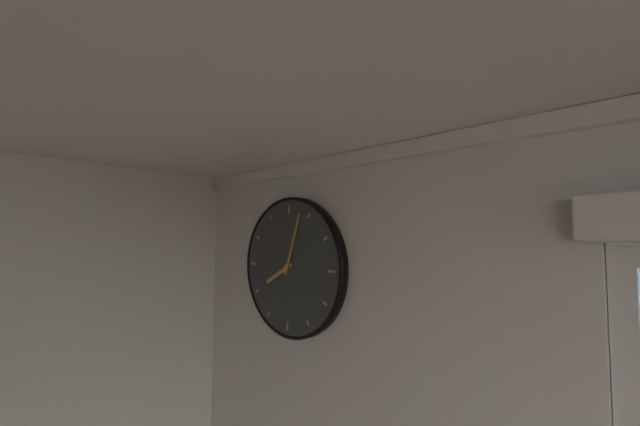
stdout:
8:03
